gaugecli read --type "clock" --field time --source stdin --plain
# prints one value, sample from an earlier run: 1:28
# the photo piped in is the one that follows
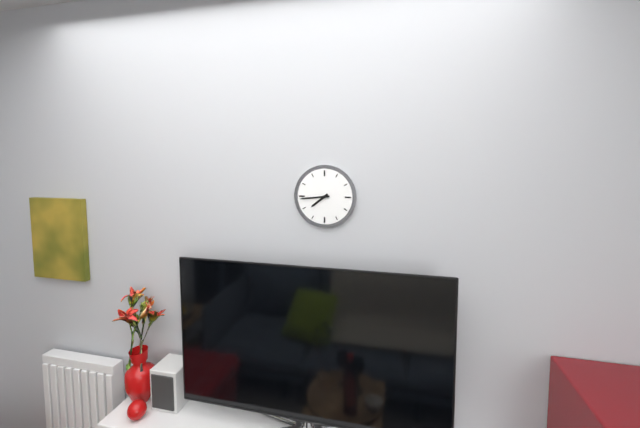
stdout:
7:44
